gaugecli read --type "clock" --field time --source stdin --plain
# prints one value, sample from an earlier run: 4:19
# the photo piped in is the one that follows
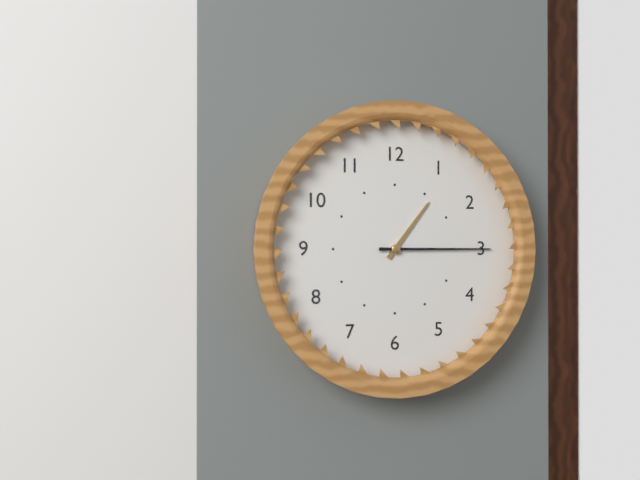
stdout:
1:15
